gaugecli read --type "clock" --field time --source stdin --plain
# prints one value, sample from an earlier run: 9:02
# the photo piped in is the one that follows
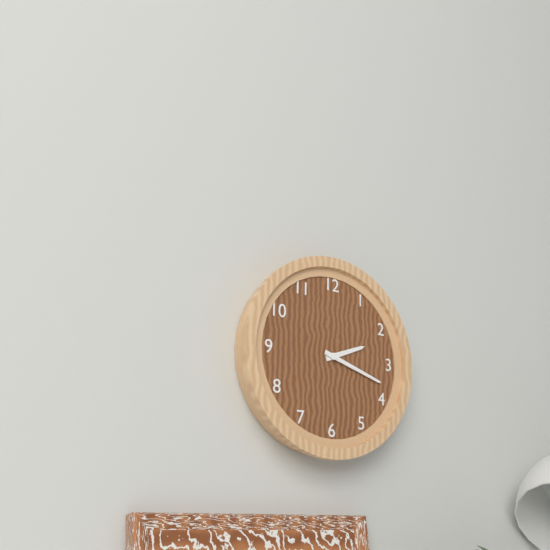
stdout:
2:18
